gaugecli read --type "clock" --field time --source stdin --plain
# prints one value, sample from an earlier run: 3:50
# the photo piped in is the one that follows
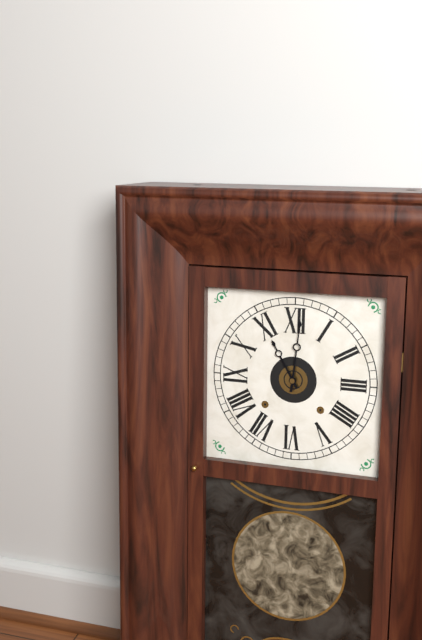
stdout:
11:01
